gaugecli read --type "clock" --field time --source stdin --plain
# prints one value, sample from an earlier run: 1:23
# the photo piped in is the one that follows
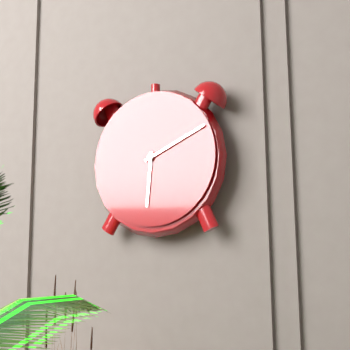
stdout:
6:11
